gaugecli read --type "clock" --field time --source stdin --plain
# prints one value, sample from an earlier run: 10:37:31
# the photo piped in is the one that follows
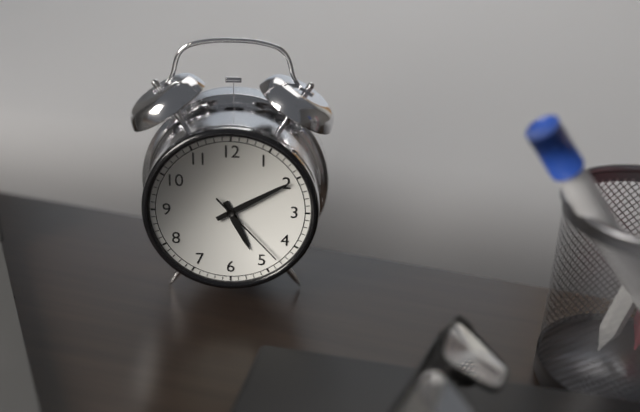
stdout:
5:10:23
